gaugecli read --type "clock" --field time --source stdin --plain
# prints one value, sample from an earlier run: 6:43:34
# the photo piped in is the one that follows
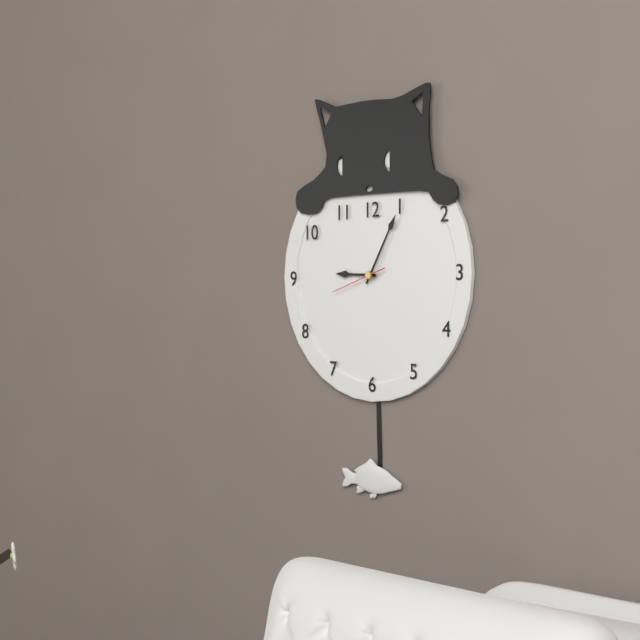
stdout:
9:05:42
